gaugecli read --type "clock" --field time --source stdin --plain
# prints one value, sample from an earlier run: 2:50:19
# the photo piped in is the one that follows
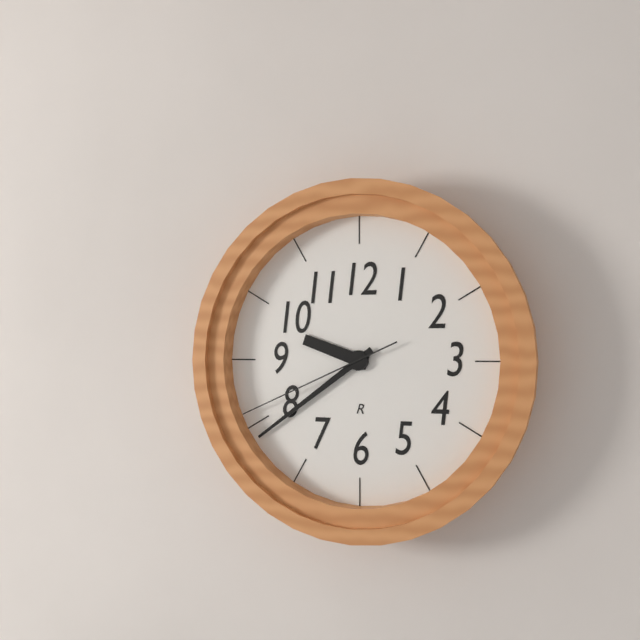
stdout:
9:39:41
